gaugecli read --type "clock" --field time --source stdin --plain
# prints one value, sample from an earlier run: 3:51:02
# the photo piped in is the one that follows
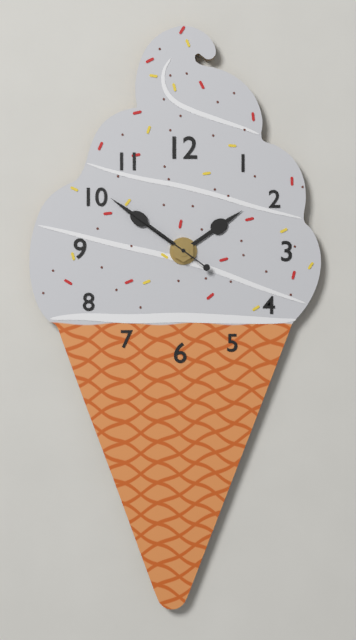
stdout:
1:51:51
